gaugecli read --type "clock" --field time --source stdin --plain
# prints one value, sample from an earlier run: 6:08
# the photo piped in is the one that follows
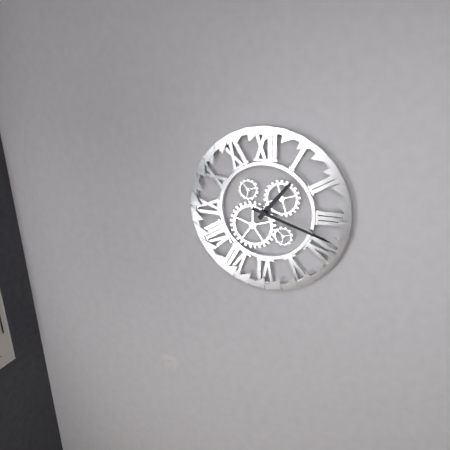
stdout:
1:18
